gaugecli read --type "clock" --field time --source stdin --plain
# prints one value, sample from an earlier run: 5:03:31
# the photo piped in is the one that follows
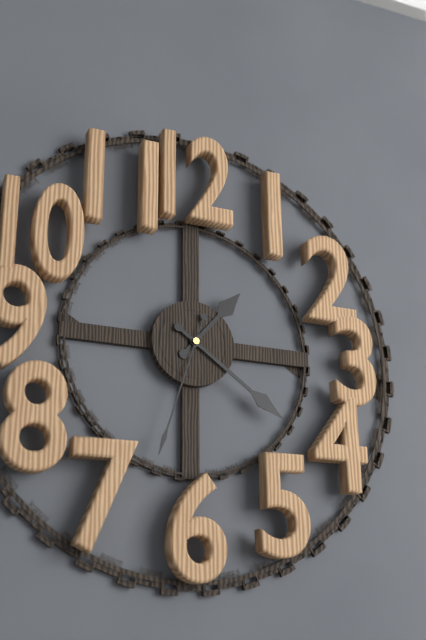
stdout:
1:21:33
